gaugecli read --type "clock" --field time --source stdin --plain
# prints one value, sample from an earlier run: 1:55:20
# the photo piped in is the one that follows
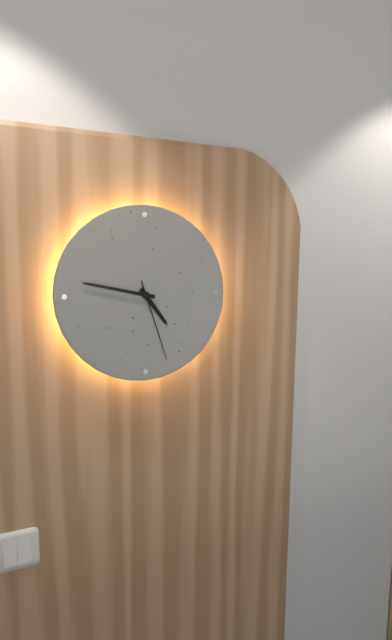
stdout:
4:47:27
